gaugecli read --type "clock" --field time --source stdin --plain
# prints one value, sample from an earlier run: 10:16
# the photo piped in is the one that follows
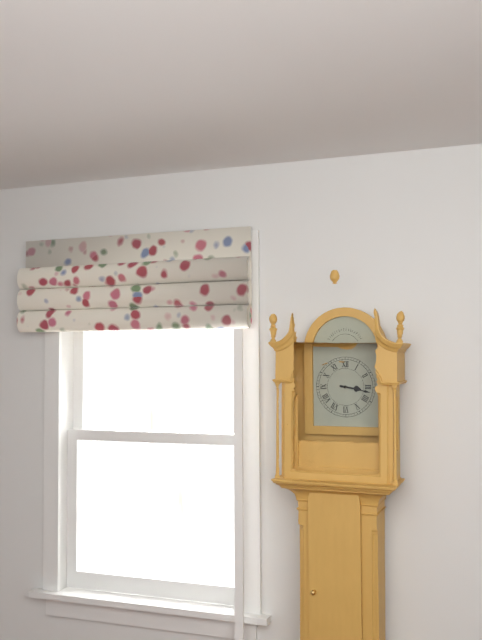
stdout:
3:17
